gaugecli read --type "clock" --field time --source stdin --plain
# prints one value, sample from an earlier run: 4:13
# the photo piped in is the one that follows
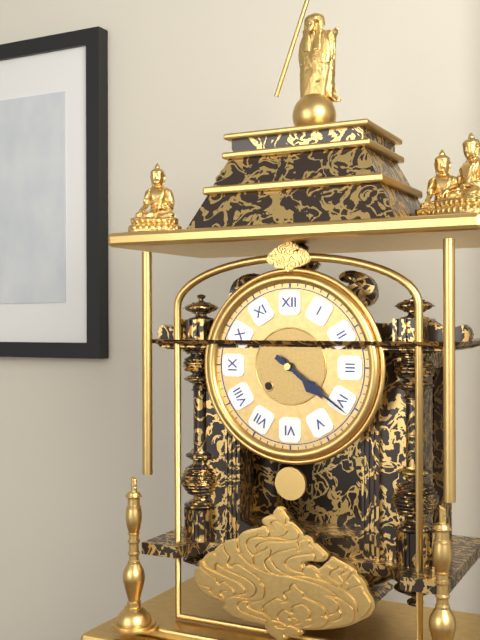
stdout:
4:21
